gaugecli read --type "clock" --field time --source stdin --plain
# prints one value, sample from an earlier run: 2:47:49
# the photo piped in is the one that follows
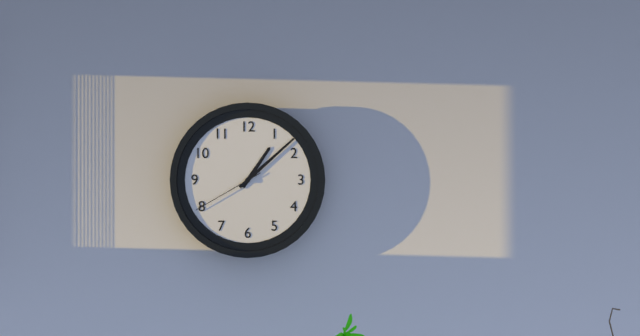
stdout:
1:08:40
